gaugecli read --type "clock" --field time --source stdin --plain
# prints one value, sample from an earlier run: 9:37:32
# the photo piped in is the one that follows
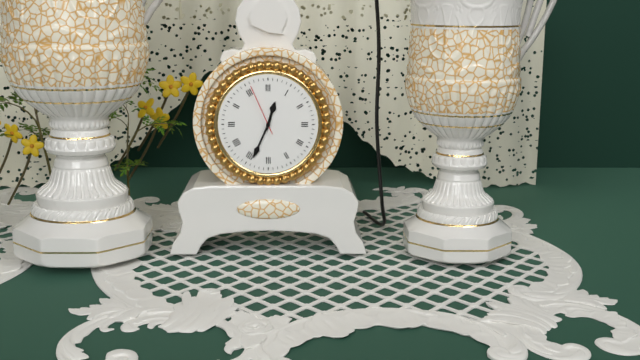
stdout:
12:34:56
